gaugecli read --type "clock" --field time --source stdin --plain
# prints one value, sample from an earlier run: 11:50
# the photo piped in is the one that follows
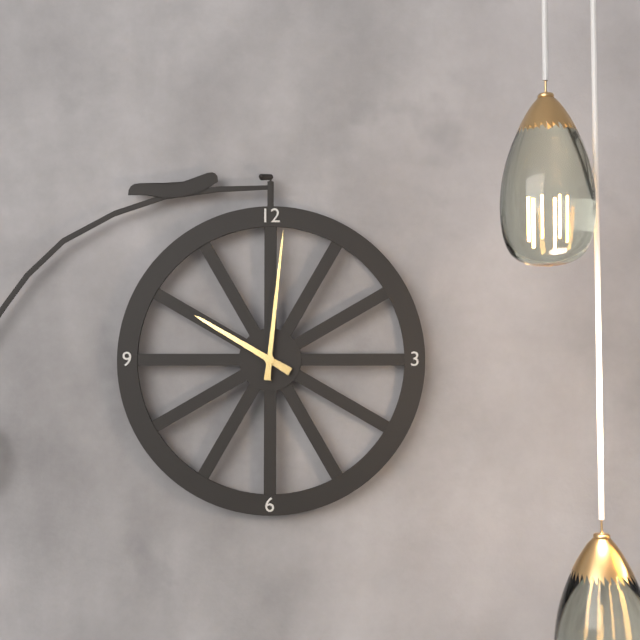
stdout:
10:01
